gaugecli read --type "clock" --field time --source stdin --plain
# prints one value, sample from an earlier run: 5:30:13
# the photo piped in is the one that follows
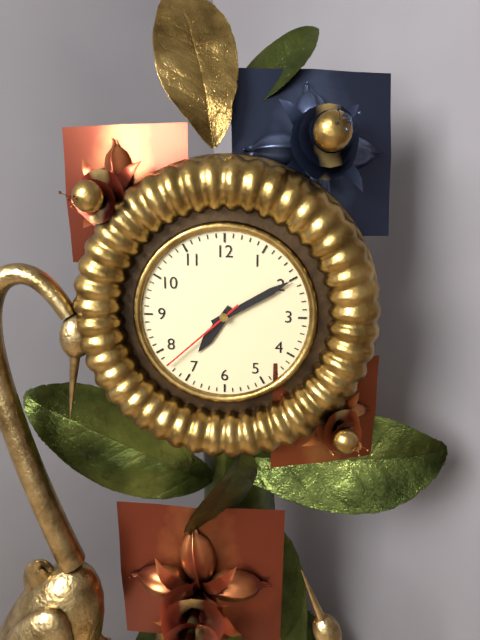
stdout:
7:10:38
